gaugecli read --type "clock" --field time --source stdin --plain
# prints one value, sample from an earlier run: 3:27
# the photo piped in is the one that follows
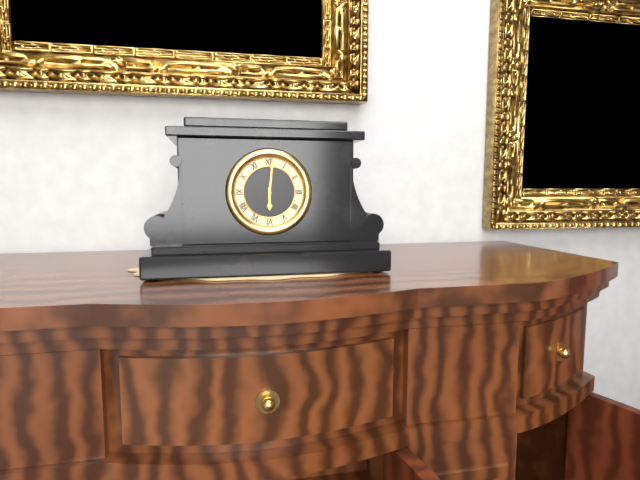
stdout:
6:01
